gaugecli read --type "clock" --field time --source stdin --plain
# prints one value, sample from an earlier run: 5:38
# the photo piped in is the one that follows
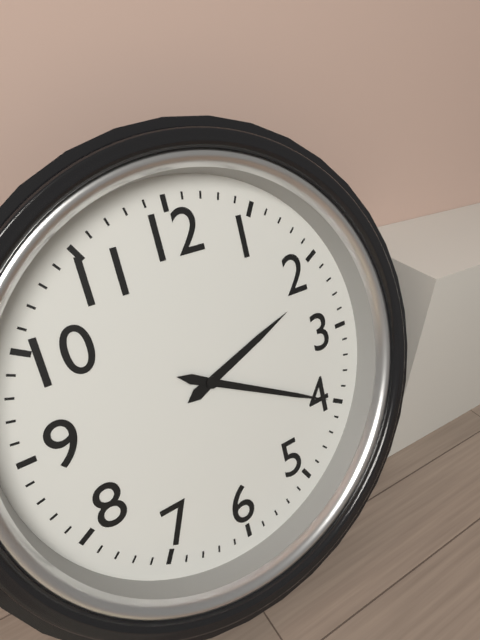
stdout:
2:20
